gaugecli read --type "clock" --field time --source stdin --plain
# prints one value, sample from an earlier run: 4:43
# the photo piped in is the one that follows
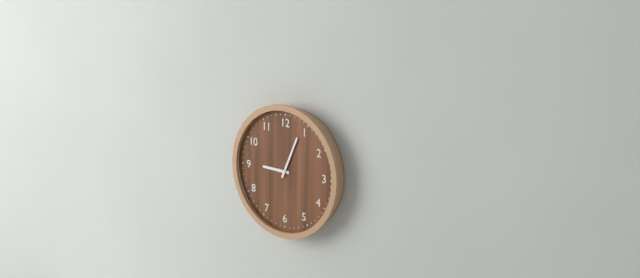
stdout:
9:04
